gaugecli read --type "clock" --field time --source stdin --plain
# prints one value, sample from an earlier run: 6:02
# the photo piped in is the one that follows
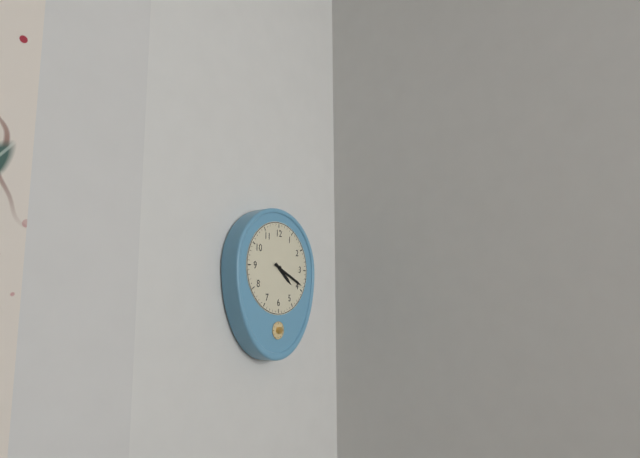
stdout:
4:19
